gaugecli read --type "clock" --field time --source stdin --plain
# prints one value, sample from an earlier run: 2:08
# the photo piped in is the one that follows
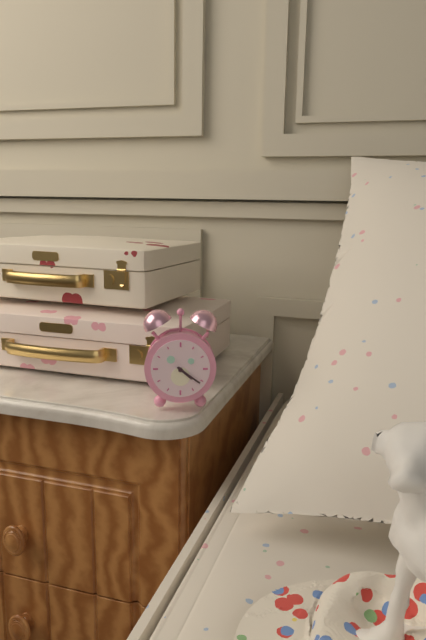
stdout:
4:21
